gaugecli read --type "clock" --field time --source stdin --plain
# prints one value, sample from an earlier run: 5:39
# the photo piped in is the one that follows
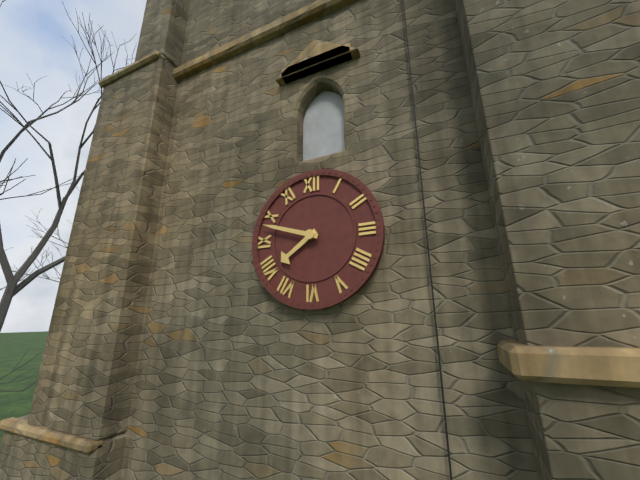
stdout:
7:48
